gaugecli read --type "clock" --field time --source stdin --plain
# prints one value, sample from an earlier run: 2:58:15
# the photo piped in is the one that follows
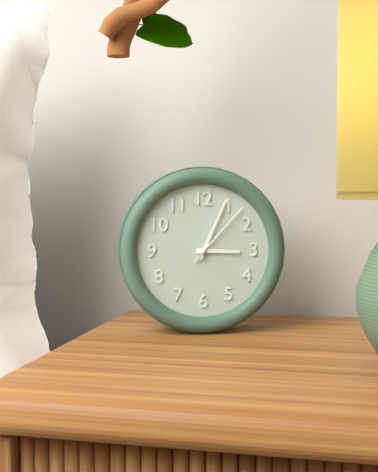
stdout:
3:04:07
